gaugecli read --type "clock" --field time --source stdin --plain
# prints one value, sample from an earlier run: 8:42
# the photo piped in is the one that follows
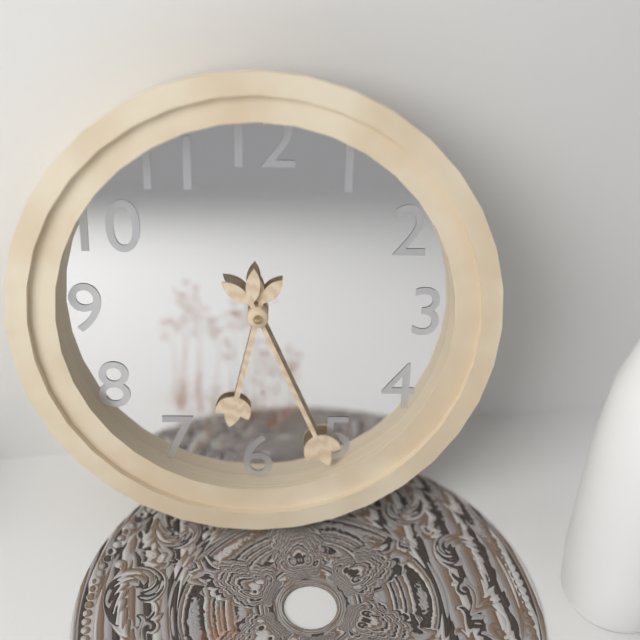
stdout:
6:26
